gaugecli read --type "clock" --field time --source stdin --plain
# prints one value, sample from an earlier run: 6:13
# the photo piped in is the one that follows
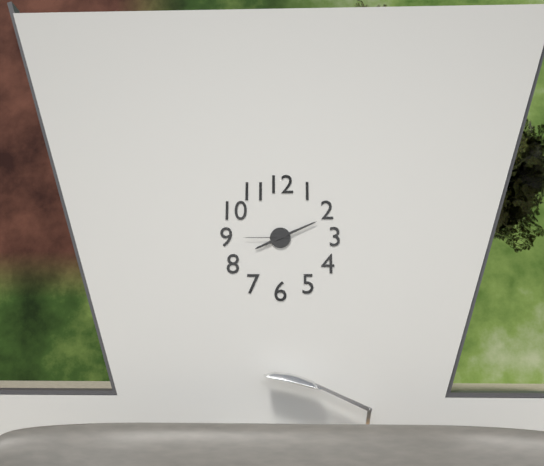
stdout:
8:11
